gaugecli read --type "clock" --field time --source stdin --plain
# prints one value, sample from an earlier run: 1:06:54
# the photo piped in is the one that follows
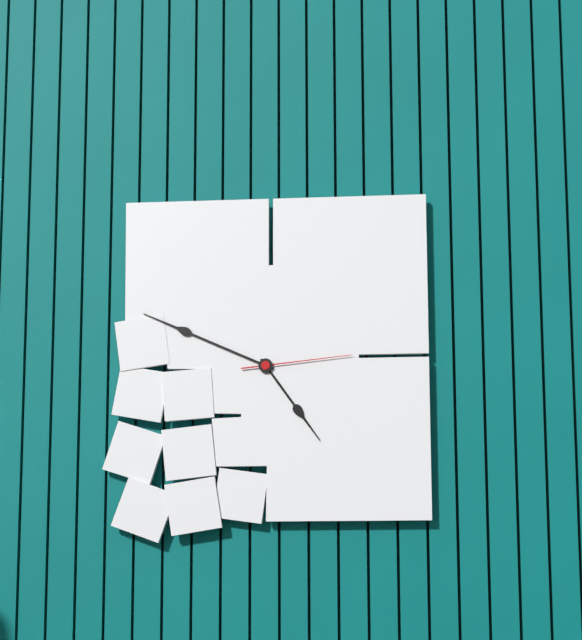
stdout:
4:49:14
